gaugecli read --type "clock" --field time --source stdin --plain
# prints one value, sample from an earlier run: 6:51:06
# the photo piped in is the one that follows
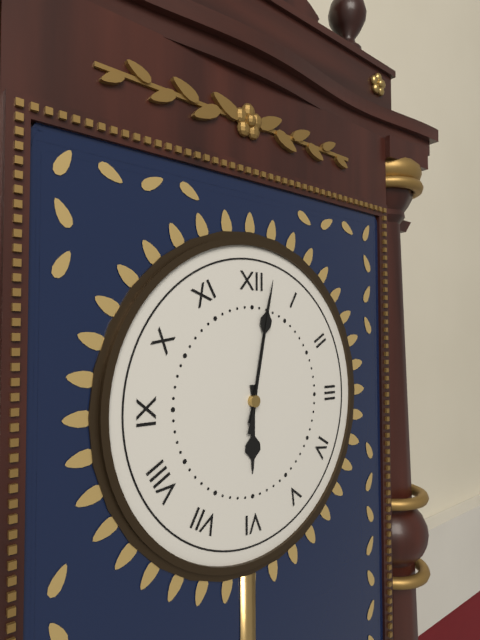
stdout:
6:02:02
